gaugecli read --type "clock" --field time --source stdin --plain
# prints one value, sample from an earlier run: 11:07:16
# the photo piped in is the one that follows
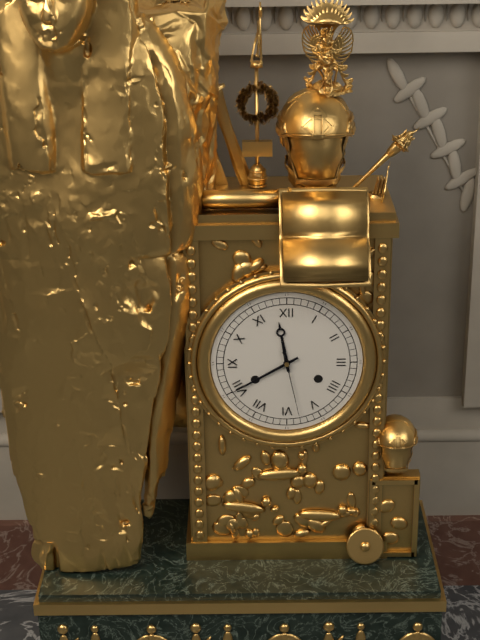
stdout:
11:40:28
